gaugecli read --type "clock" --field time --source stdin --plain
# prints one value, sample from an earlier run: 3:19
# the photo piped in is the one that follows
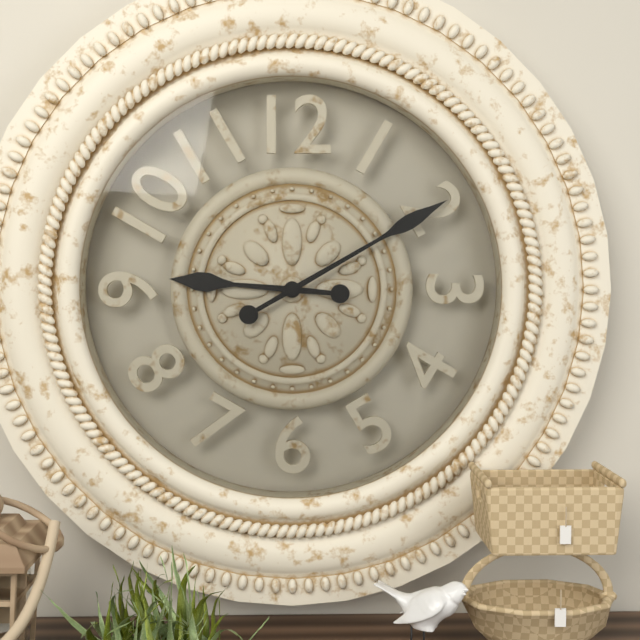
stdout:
9:10
